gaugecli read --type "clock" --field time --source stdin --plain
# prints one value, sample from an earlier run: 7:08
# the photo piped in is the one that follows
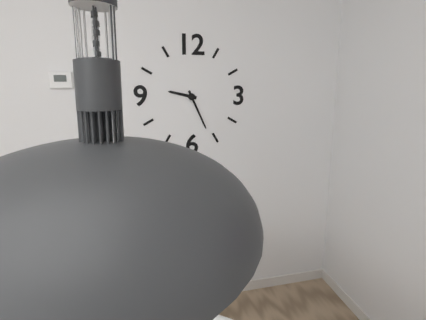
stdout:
9:26
